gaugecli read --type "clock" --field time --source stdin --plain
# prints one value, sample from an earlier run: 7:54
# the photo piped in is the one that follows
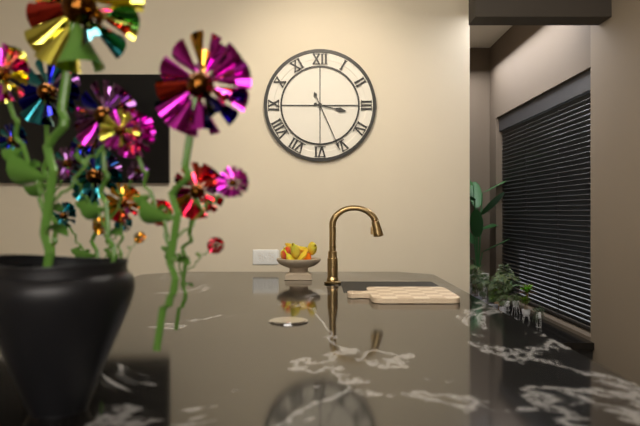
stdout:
3:26
